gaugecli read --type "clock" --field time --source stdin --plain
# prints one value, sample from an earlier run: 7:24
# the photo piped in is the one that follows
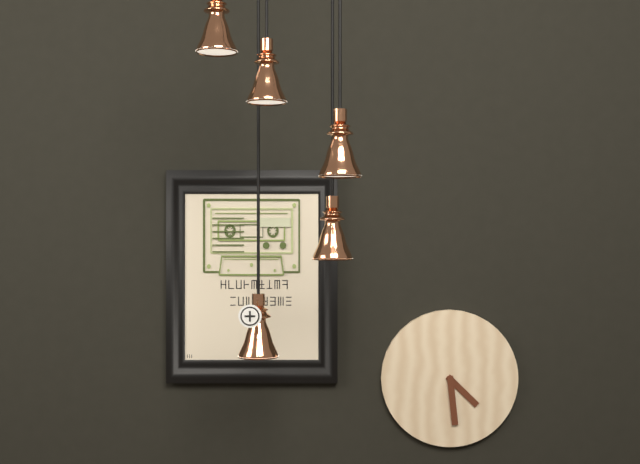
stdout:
4:29
